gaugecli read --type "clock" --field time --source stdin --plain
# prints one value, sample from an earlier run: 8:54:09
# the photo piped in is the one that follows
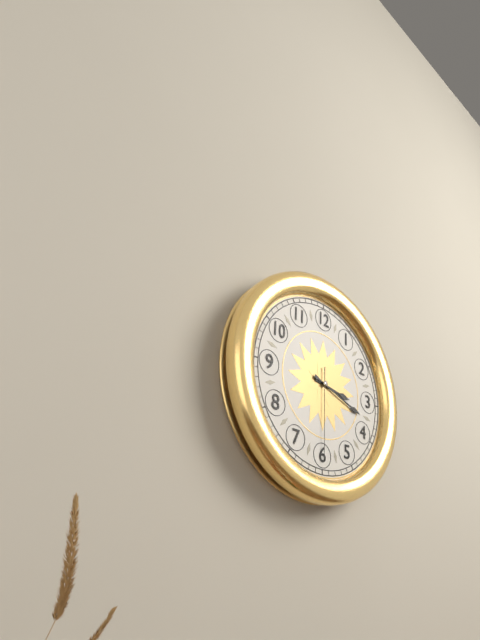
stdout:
3:18:30
